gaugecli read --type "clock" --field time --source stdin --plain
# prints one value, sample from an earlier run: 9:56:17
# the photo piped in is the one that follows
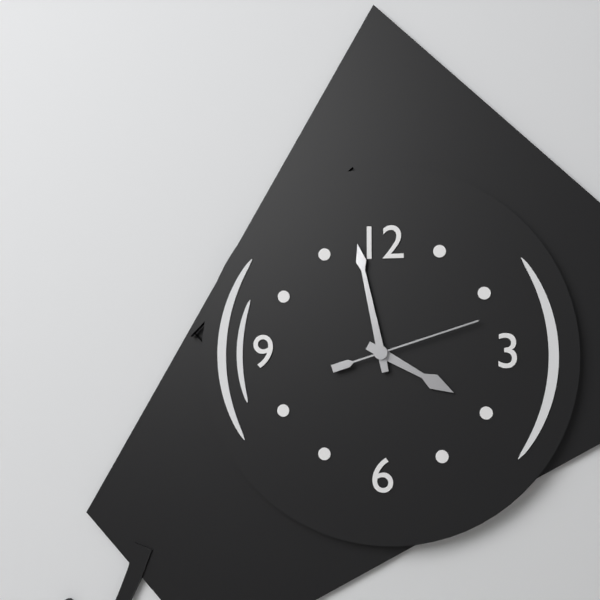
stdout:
3:58:12
